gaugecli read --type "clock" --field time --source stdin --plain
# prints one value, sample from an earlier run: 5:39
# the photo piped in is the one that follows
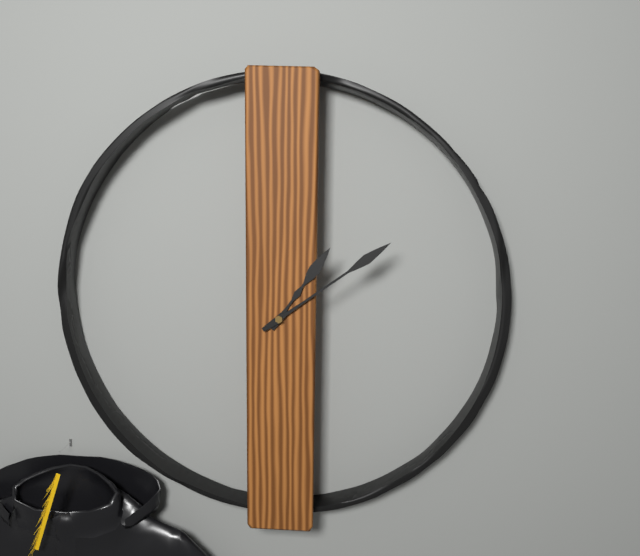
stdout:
1:09
